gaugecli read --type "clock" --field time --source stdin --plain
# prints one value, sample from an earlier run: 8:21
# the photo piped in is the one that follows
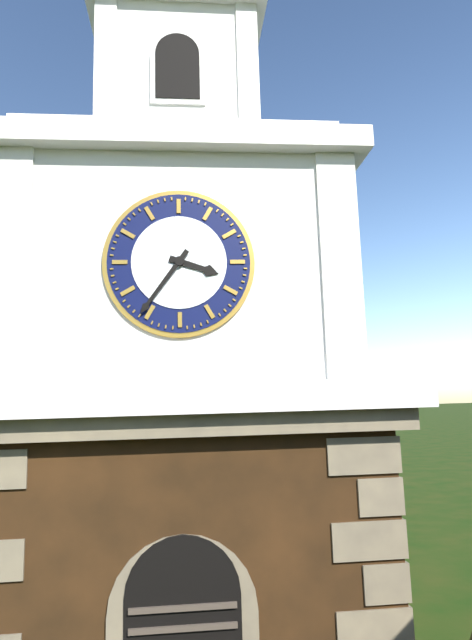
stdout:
3:36
